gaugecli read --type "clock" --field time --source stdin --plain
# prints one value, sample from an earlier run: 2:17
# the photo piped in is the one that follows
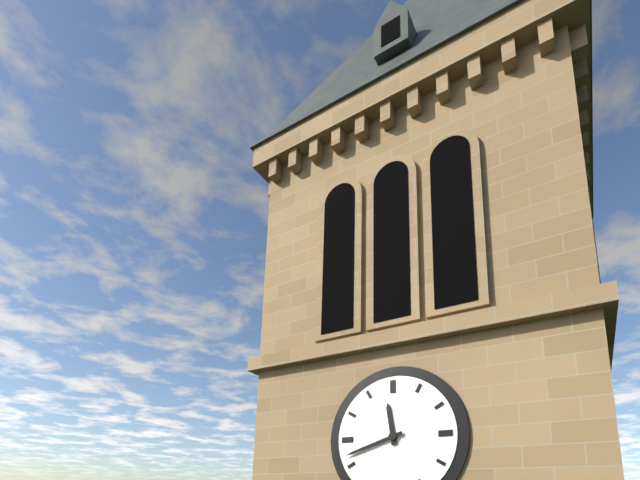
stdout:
11:42
